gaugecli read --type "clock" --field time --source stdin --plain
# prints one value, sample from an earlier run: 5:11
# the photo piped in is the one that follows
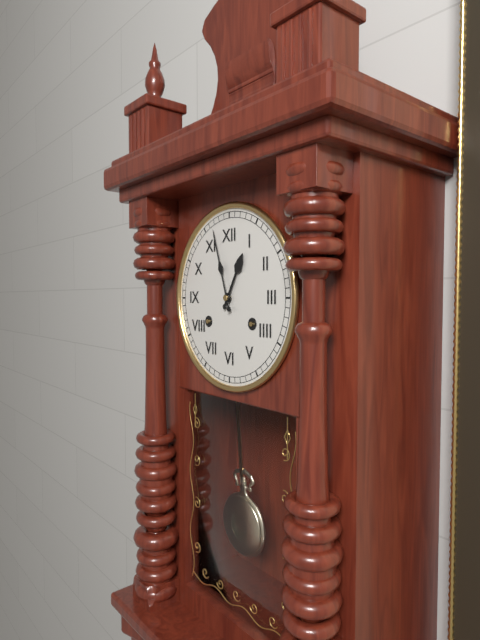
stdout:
12:57
